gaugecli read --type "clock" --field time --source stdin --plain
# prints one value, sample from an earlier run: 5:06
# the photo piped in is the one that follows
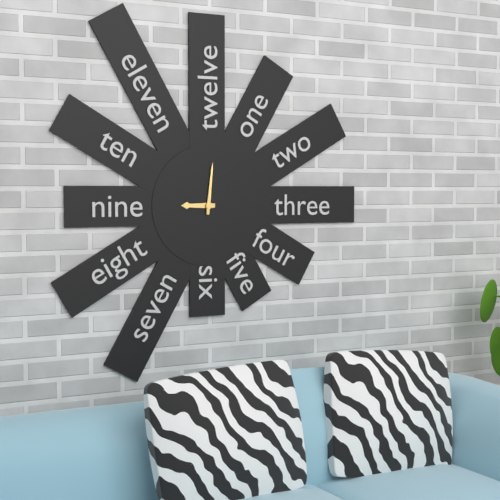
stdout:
9:01
